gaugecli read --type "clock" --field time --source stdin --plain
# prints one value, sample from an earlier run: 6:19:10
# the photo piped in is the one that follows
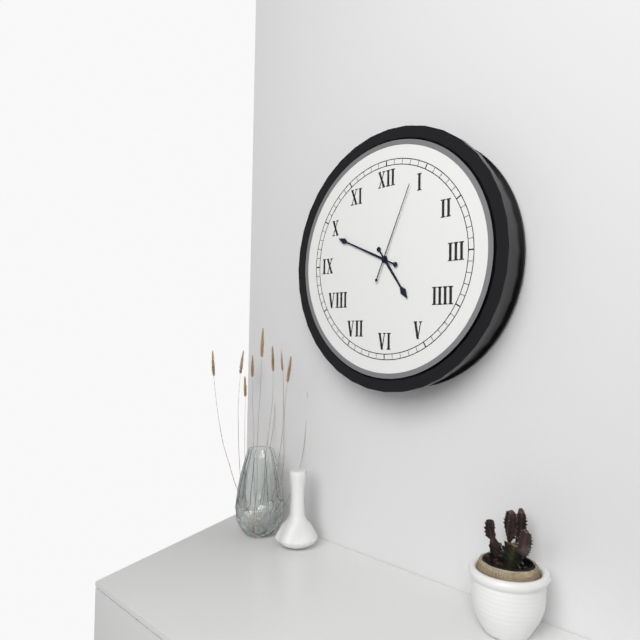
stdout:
4:49:04
